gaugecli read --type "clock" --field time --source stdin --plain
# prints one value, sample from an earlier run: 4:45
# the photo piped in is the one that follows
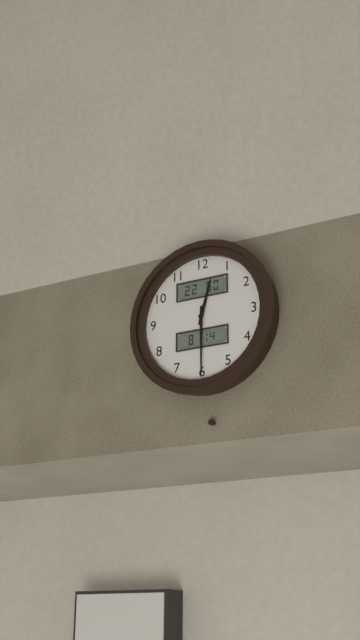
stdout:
12:30
